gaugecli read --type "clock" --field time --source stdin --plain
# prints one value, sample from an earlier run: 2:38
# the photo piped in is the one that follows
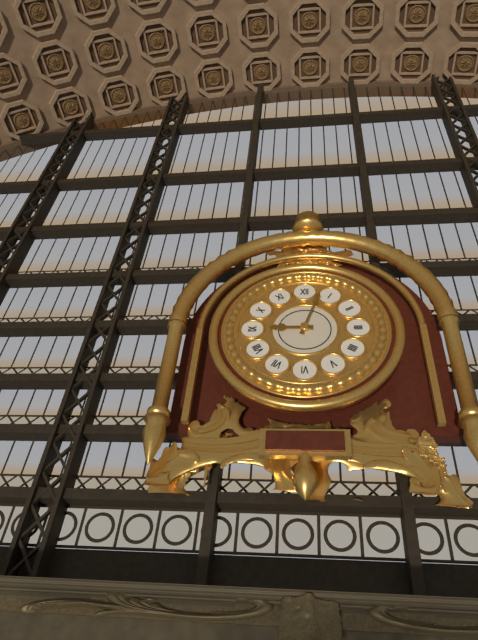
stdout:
9:03
